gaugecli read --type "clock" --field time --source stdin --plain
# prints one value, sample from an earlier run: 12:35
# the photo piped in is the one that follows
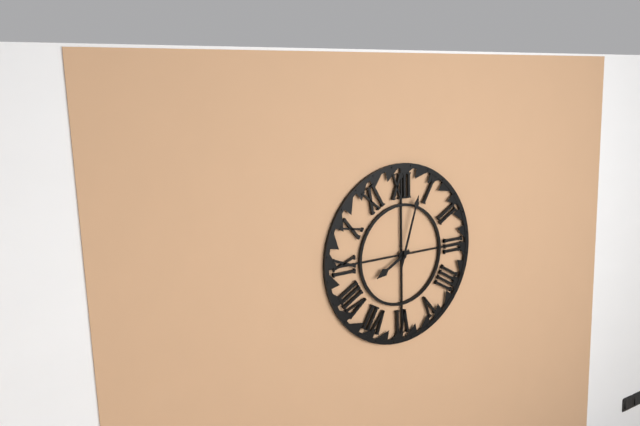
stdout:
8:03
